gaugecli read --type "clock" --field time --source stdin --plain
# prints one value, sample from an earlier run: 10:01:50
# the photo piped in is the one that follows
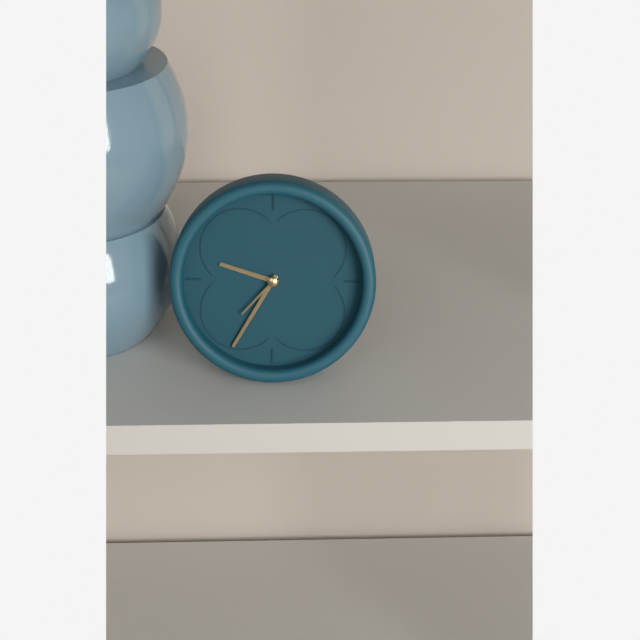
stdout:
9:35:37
